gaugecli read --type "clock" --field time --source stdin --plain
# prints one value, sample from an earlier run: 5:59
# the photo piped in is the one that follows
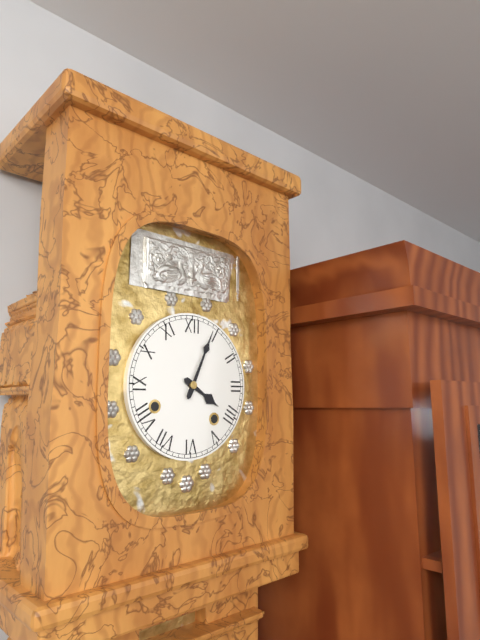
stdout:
4:04
